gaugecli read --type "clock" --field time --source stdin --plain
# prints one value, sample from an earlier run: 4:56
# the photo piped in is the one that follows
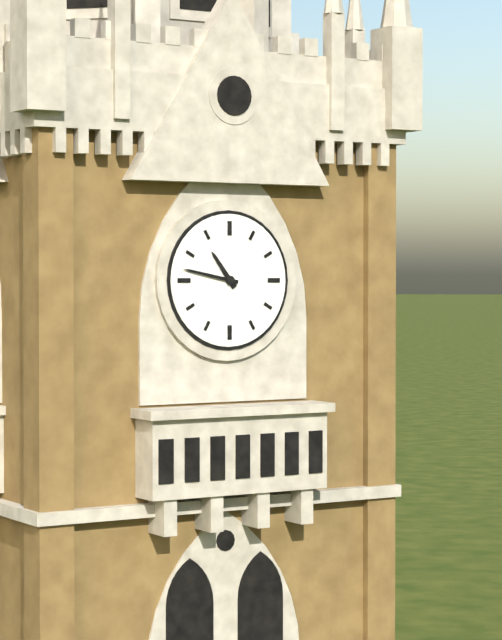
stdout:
10:47
